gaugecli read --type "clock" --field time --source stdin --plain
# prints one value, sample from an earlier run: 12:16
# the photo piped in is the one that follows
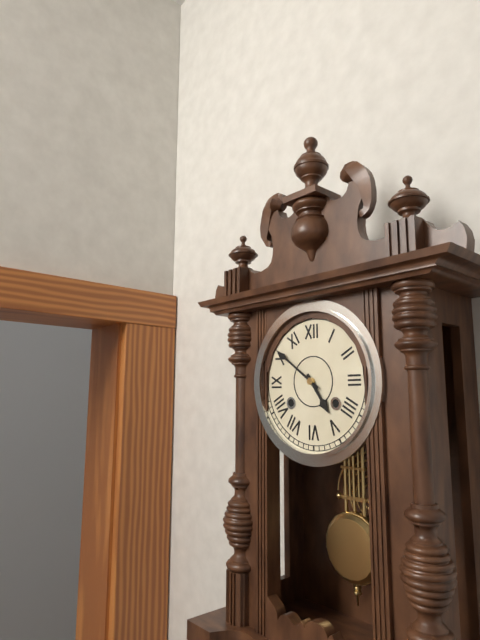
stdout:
4:51
